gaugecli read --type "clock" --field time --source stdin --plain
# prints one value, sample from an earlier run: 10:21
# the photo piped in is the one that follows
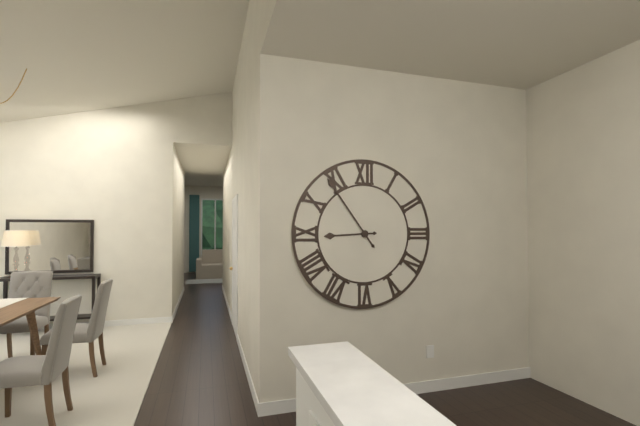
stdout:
8:54
